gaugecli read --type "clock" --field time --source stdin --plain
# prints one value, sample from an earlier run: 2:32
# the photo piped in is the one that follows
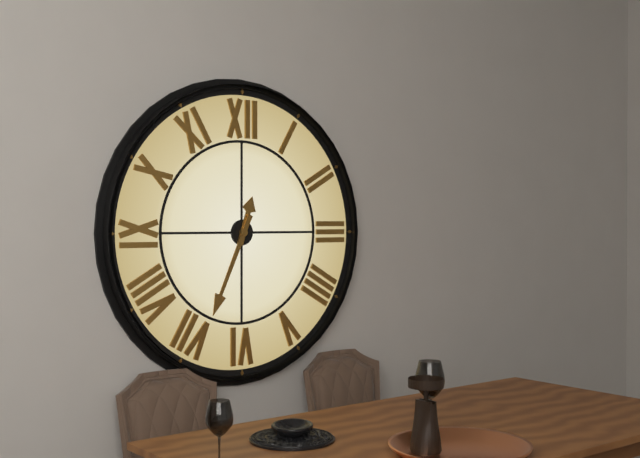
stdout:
12:34
